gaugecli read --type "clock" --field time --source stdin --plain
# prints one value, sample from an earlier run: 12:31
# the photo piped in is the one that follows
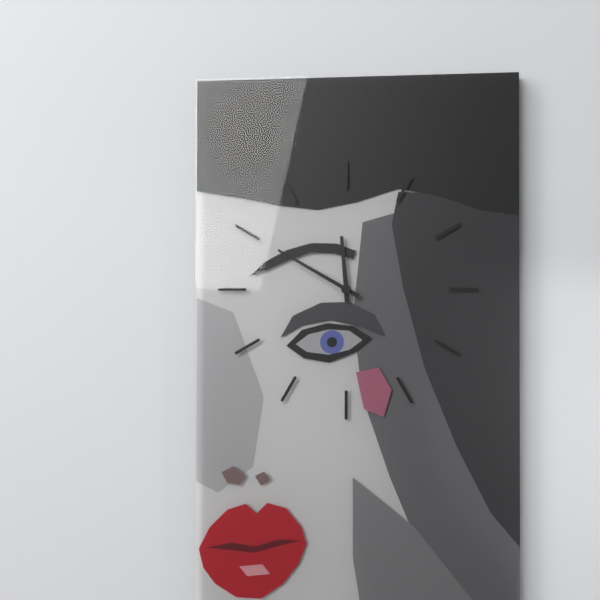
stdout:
11:50
